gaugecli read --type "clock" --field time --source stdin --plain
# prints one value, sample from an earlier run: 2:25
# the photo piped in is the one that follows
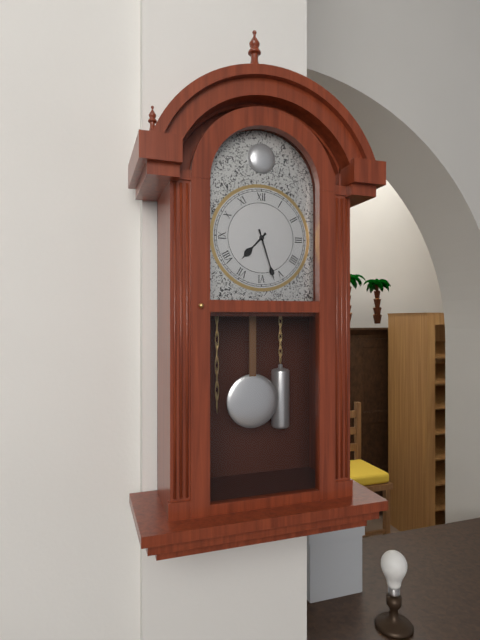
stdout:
7:27
